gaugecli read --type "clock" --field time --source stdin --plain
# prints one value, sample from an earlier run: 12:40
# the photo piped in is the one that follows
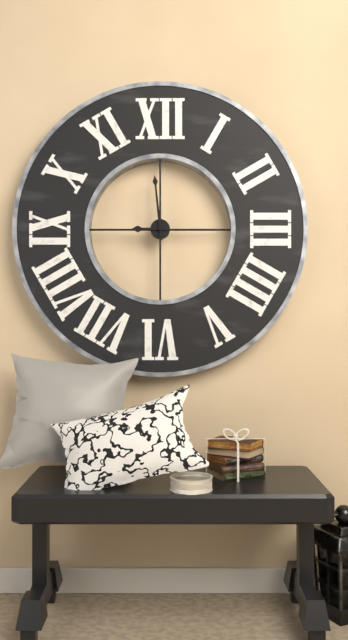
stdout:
8:59
